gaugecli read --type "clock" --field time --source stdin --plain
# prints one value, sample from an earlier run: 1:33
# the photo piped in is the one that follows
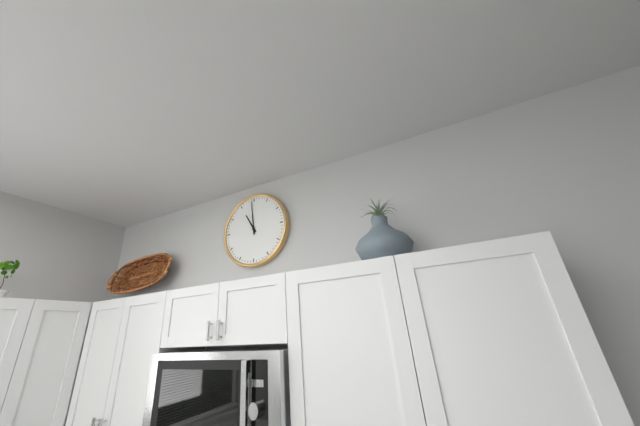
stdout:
10:59
